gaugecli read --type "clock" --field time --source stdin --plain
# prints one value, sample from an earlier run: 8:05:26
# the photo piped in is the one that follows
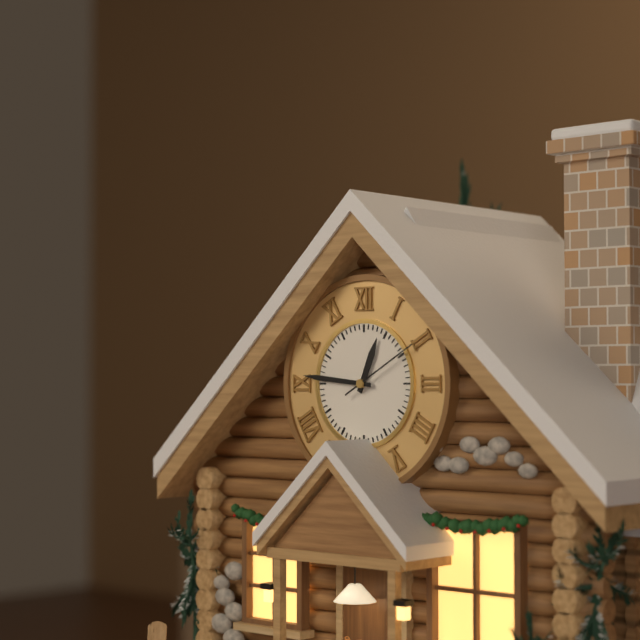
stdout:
12:46:10
